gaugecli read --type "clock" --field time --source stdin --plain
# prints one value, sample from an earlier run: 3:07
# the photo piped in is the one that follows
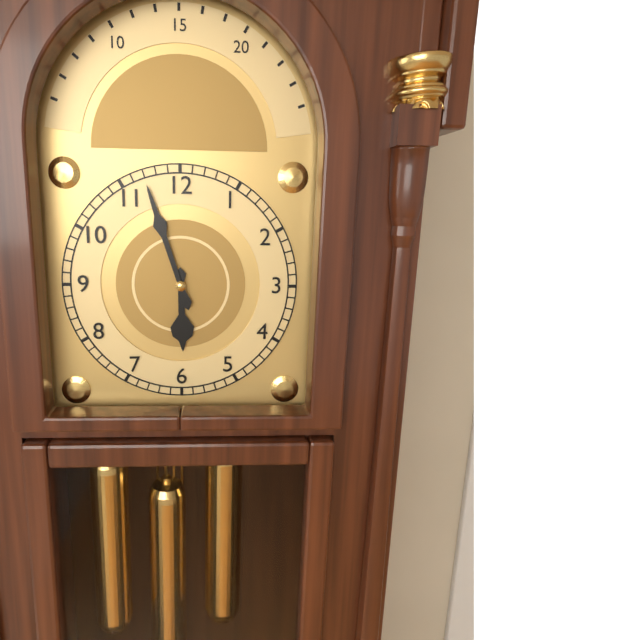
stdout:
5:57
